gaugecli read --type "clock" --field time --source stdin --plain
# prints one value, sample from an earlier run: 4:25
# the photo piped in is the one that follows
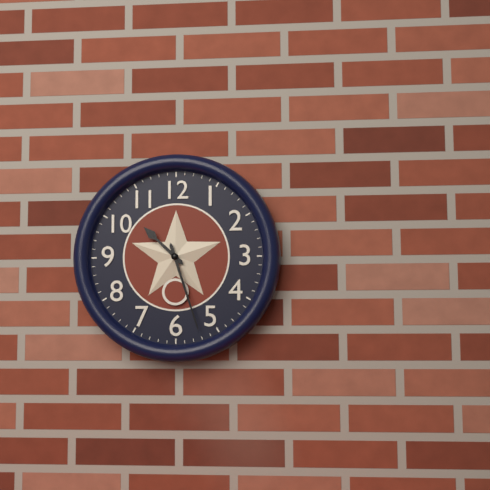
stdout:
10:27
